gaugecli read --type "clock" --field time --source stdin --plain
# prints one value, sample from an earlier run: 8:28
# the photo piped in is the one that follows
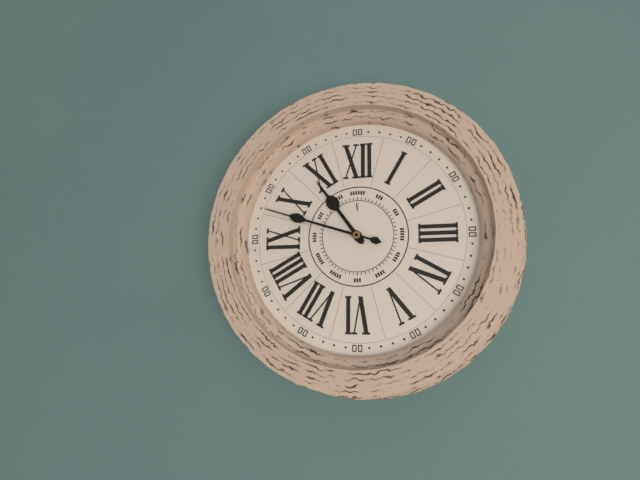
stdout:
10:48
